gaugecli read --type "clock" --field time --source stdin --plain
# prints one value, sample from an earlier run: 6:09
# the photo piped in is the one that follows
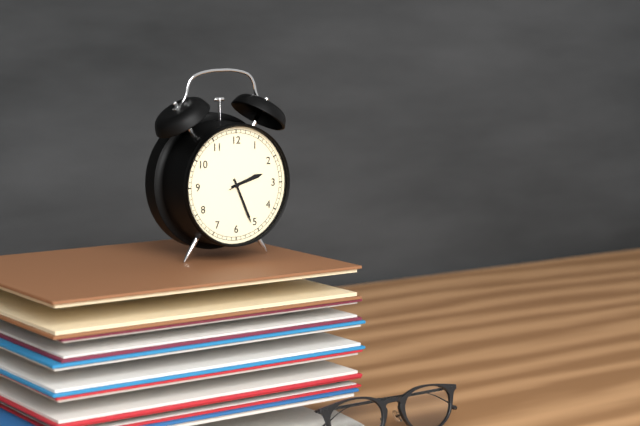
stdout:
2:26
